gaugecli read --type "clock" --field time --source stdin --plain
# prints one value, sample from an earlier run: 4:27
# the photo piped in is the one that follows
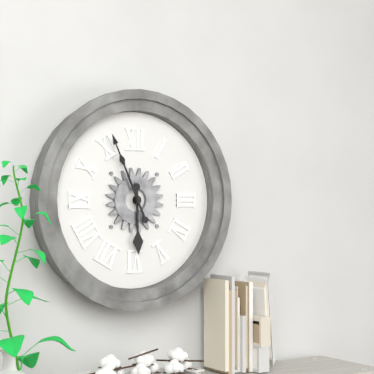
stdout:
5:56
